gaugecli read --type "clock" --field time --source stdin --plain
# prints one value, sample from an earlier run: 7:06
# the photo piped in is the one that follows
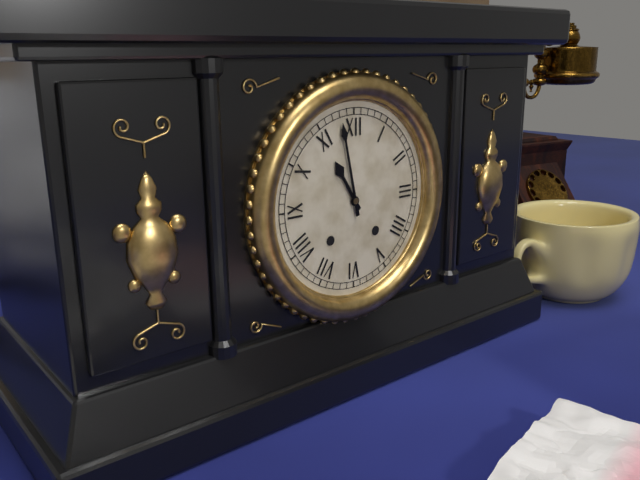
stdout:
10:58
